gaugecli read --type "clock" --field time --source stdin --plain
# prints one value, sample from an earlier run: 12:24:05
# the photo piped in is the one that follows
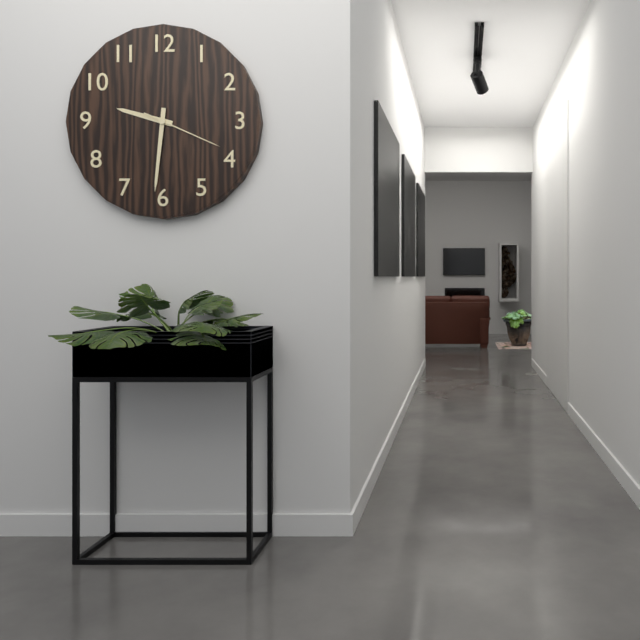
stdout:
9:31:19
